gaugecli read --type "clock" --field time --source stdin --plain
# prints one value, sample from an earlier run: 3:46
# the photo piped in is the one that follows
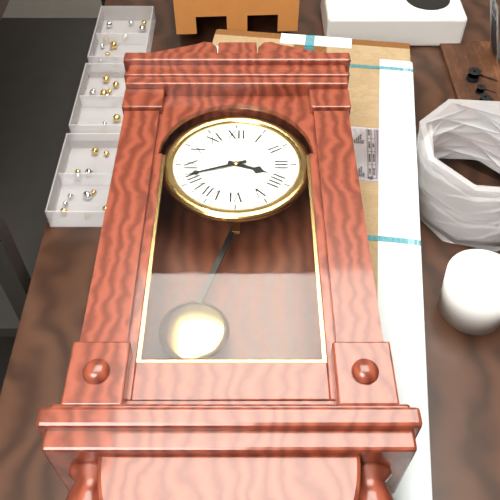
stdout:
3:42
